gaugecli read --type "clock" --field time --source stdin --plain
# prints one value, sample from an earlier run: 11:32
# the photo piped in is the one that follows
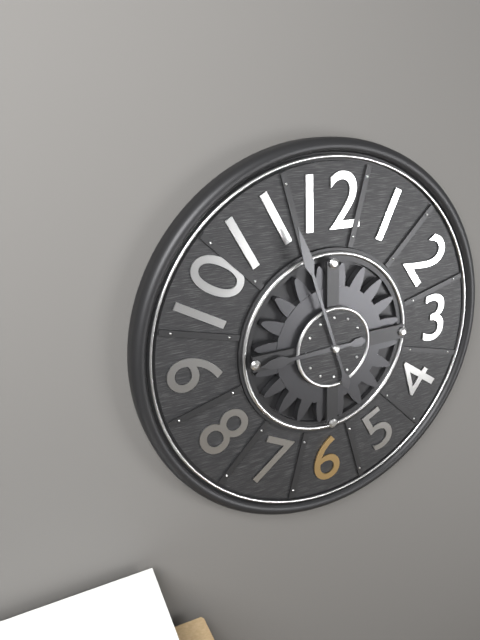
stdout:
8:57
